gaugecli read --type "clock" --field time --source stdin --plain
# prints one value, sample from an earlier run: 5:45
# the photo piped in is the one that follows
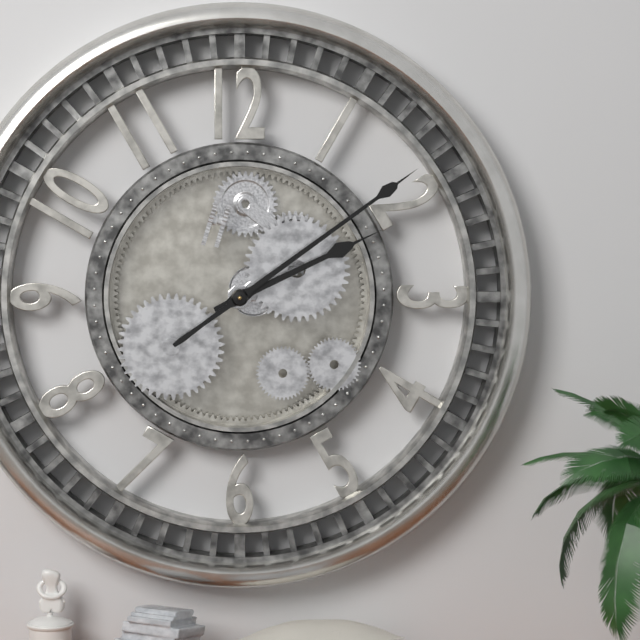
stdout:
2:09
